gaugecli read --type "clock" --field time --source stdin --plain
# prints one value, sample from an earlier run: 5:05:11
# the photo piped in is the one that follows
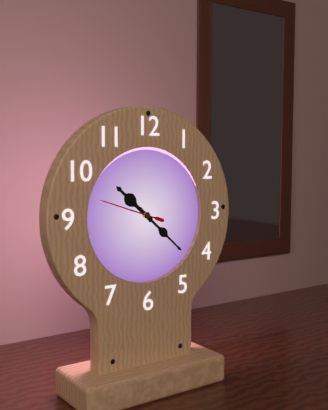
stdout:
10:22:48
